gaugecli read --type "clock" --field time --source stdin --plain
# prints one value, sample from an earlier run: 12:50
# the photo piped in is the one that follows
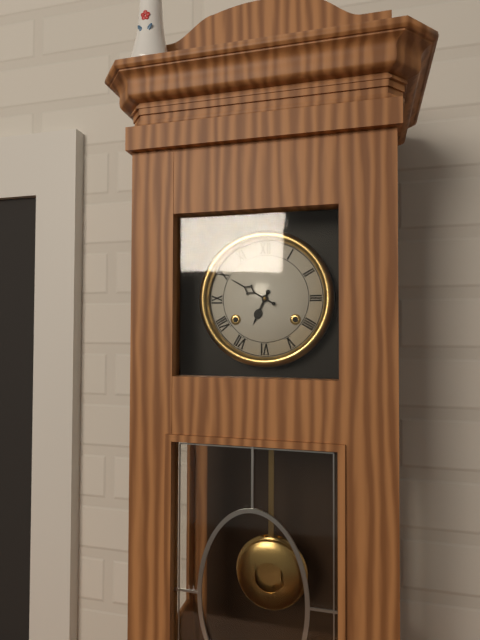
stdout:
6:50
